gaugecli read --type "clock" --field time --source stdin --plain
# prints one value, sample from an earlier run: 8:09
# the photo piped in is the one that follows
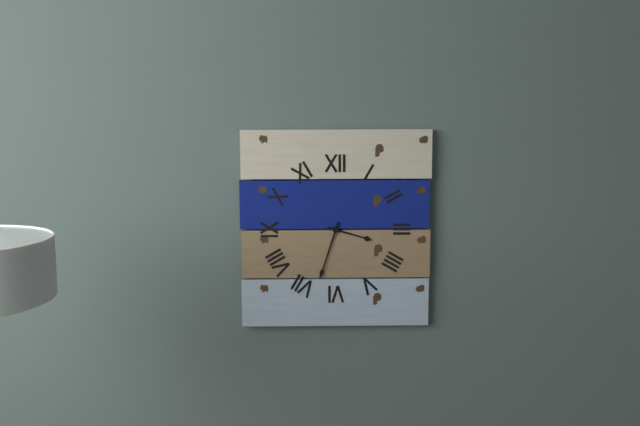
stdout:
3:33
